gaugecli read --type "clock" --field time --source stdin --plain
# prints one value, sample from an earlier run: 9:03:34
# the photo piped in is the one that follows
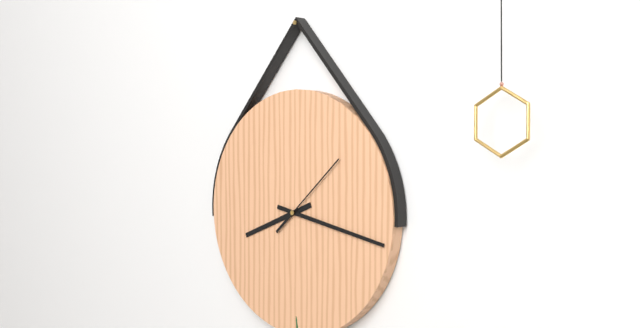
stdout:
8:17:08
